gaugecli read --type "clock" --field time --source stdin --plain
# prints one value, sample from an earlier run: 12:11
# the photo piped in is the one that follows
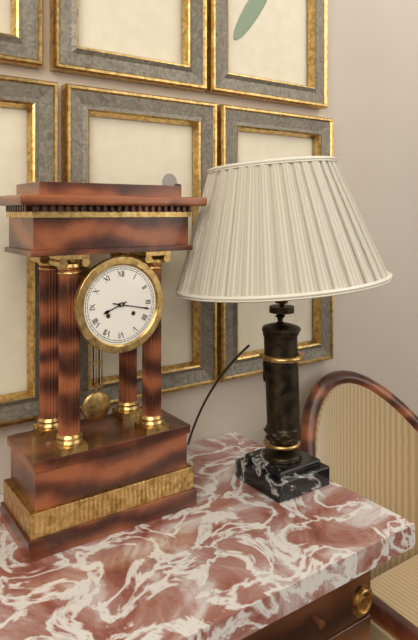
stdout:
8:17
